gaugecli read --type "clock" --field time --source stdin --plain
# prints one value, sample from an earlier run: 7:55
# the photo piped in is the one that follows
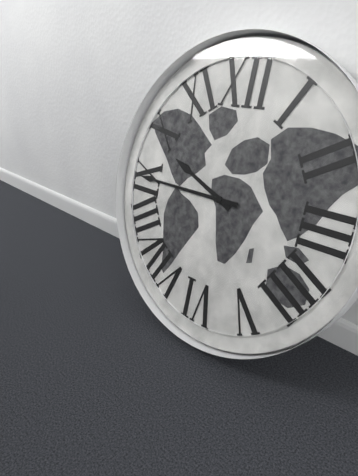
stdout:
9:45
